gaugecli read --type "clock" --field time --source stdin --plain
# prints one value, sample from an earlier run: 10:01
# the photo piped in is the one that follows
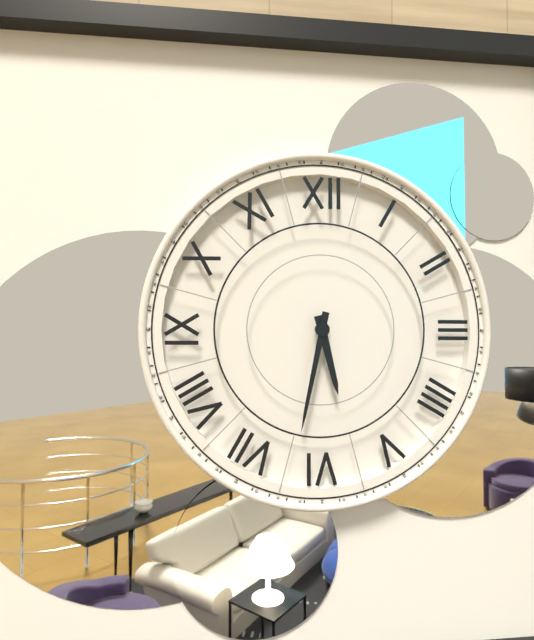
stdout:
5:32
